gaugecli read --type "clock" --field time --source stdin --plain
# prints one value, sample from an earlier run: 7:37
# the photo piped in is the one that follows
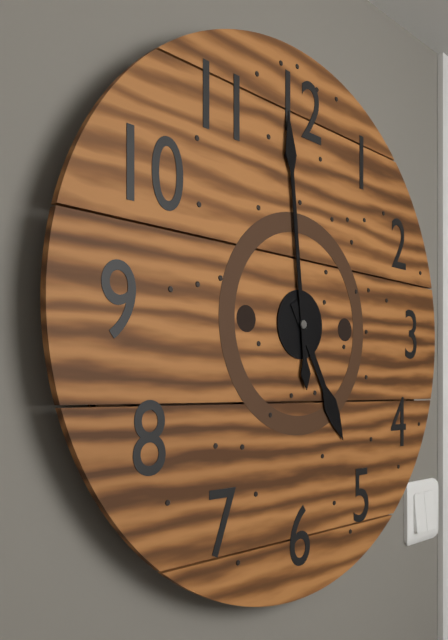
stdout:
4:59
